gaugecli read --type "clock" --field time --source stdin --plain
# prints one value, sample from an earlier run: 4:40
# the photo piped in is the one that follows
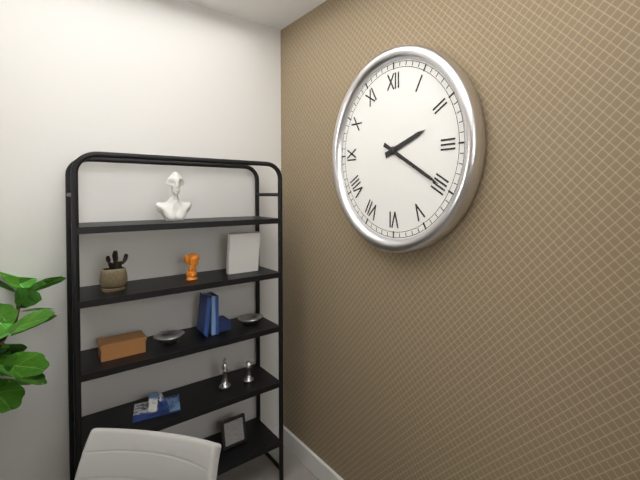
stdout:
2:20
